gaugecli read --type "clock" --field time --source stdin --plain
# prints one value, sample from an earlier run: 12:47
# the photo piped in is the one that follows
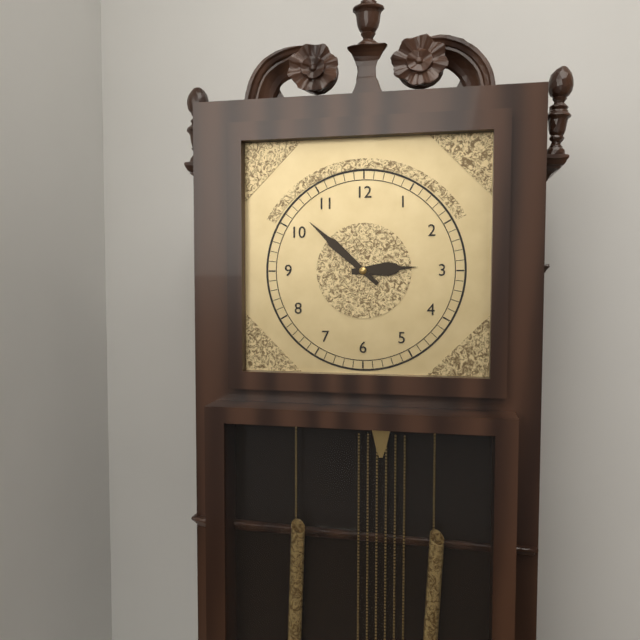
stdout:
2:52
